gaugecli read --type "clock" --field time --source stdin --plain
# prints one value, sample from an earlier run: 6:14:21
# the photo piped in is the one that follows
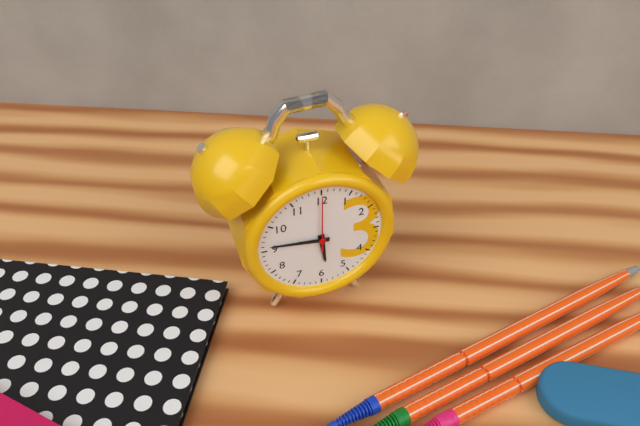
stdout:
5:46:00
